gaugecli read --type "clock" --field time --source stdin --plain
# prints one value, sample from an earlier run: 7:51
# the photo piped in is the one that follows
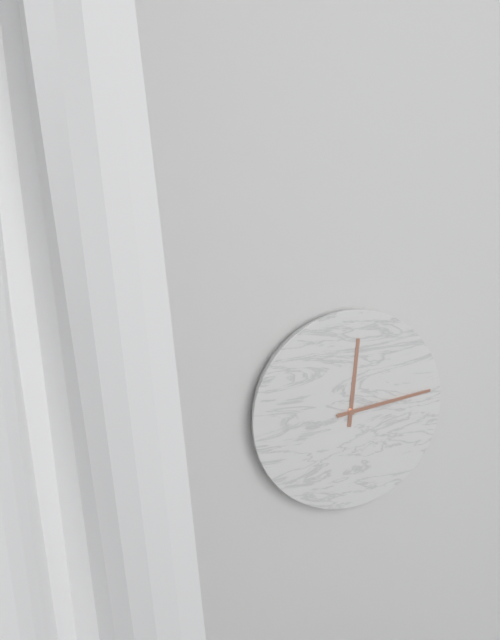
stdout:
12:14
